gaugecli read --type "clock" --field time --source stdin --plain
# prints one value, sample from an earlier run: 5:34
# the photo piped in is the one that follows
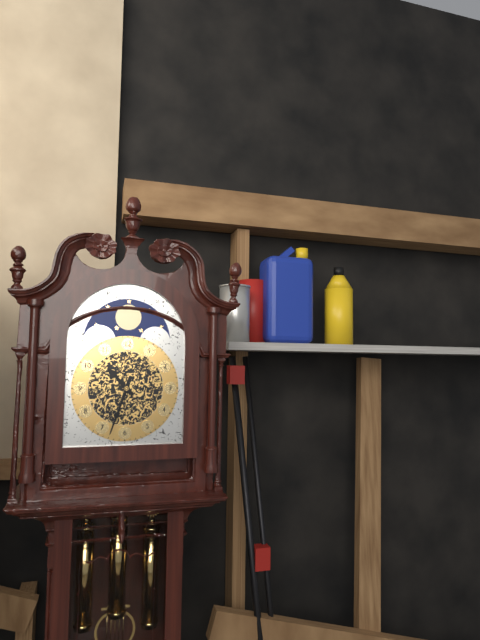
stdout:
10:33
